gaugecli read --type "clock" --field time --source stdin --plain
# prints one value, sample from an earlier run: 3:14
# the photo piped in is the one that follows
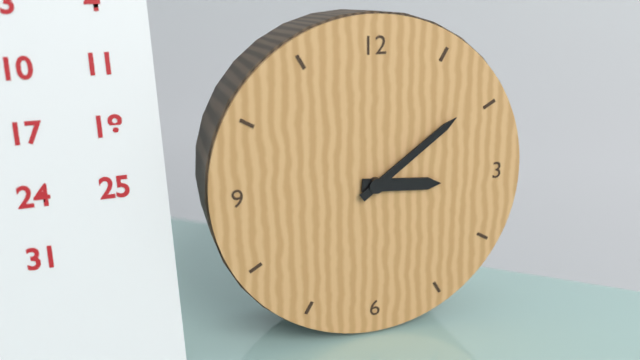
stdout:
3:09
